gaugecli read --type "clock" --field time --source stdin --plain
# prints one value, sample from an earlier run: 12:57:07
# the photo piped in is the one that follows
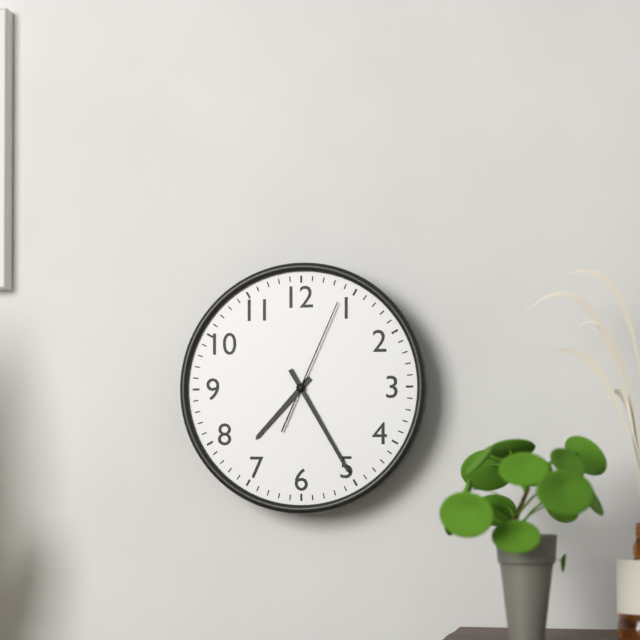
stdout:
7:25:04
